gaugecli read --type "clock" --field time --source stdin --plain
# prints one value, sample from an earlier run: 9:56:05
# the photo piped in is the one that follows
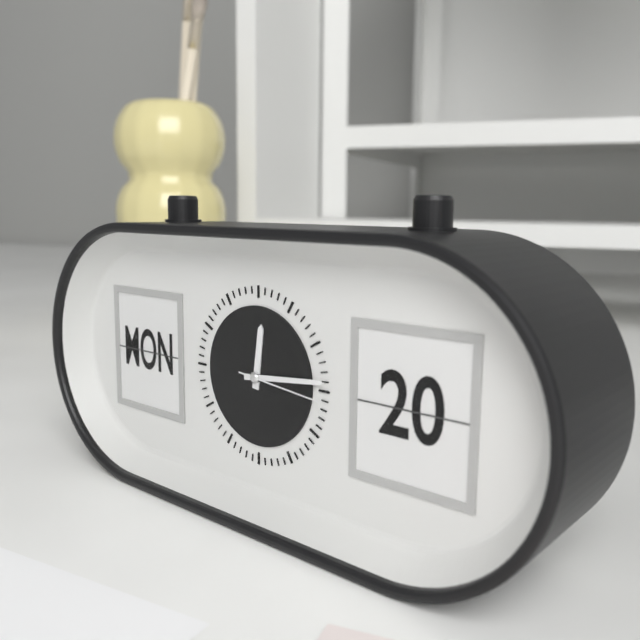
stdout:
12:14:16
